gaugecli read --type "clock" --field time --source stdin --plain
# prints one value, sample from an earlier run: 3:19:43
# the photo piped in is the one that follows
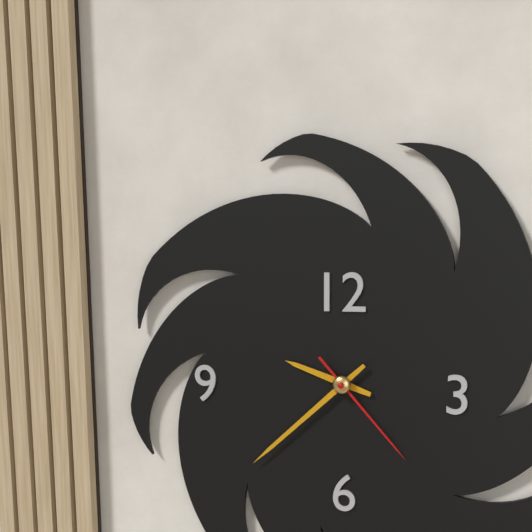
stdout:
9:38:23
